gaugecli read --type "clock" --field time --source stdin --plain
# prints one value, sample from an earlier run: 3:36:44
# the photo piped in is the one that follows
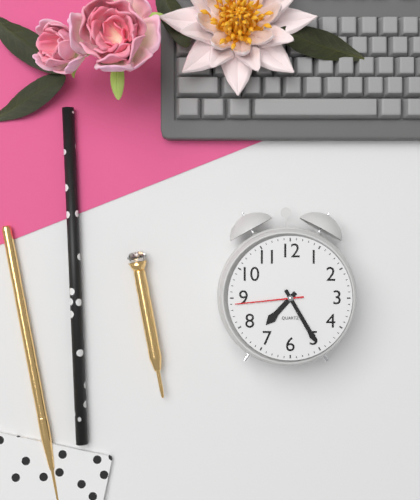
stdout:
7:25:44
